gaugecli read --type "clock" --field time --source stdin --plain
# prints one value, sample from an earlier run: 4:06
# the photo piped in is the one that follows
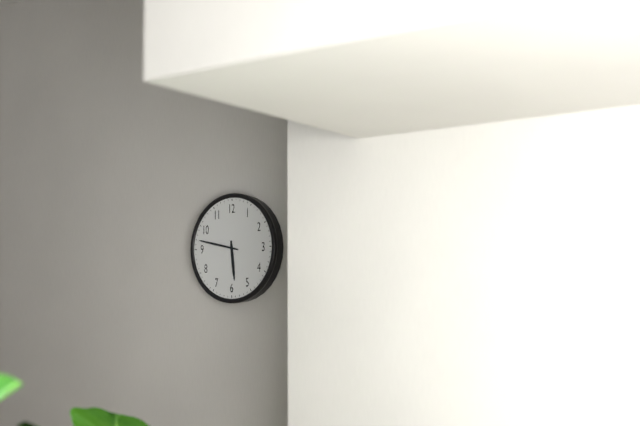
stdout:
5:47
